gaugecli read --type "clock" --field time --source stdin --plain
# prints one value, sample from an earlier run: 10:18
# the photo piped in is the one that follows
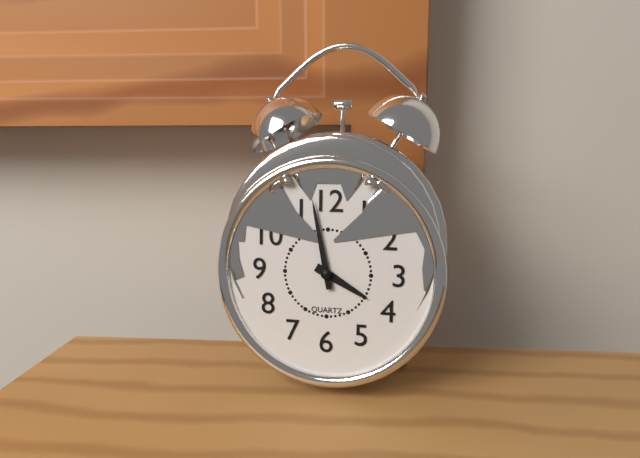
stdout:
3:58
